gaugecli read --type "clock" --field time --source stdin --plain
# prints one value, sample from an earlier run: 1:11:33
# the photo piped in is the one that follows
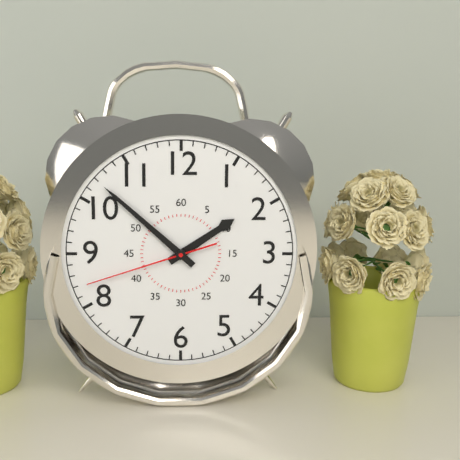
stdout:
1:52:42
